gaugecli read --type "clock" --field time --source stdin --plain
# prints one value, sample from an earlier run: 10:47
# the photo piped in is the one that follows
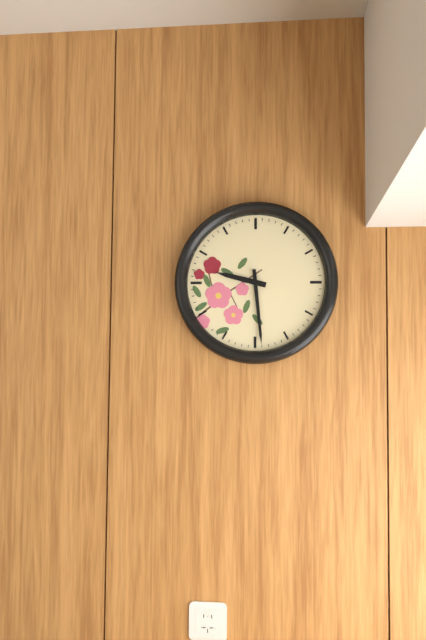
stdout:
9:29
